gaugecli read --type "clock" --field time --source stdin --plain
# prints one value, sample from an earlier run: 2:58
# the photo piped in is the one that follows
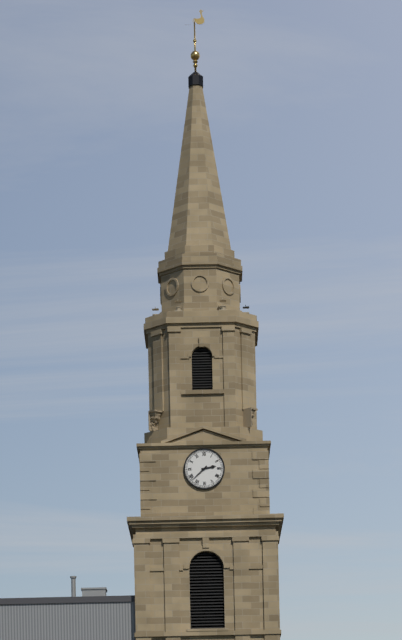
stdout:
2:38
